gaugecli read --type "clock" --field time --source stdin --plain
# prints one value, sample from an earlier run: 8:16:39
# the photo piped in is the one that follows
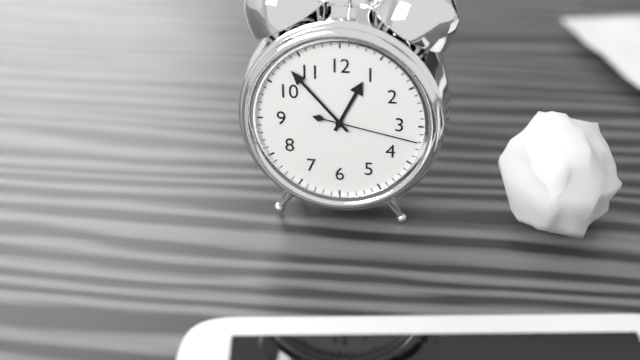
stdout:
12:53:17
